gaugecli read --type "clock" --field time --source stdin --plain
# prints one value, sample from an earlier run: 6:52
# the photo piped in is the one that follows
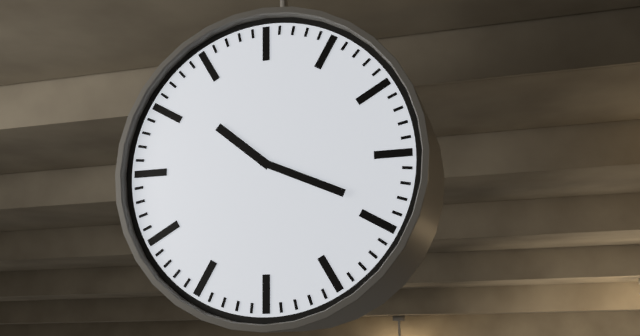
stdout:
10:19
